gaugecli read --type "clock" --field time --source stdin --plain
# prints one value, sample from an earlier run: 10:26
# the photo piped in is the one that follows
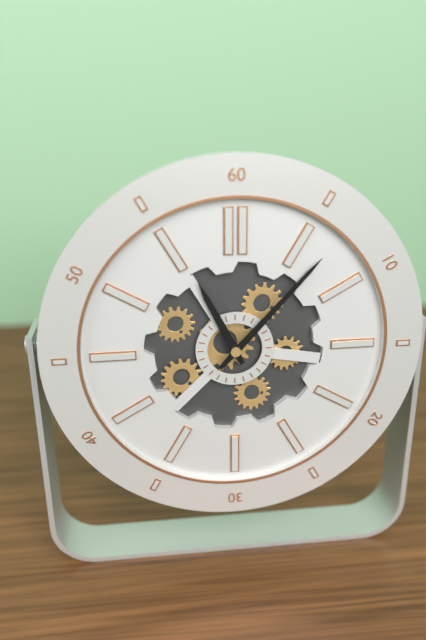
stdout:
11:07
